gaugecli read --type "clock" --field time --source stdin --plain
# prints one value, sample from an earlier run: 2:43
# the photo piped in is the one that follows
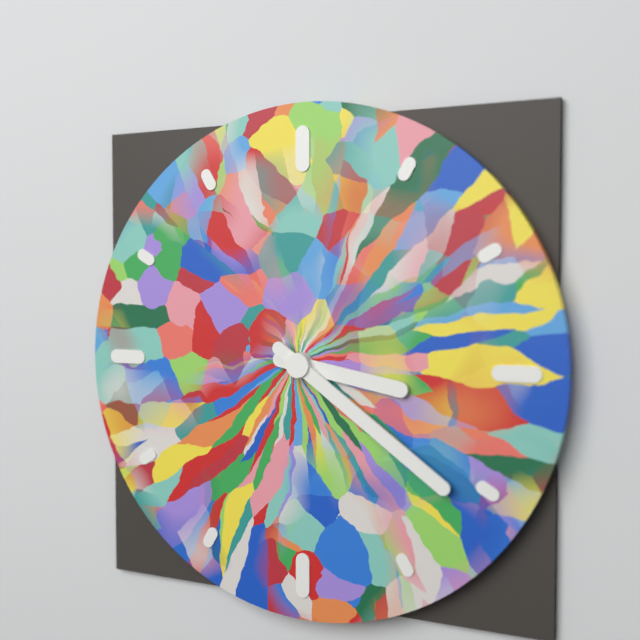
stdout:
3:21
